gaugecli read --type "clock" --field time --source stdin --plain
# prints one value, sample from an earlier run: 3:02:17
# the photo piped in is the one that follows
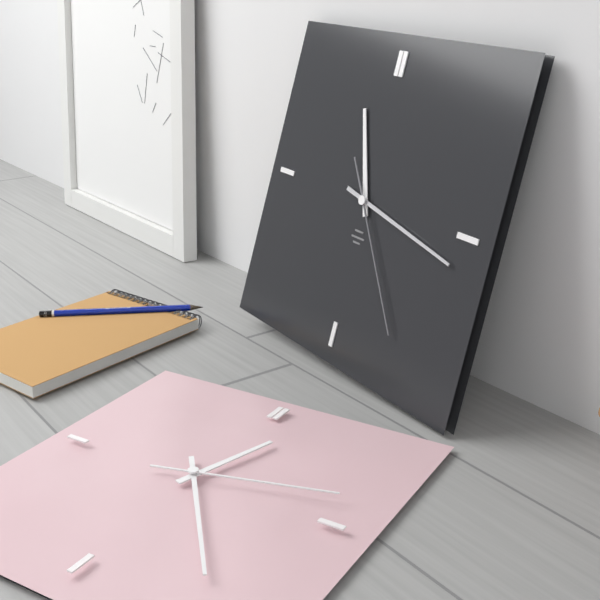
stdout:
11:17:24
